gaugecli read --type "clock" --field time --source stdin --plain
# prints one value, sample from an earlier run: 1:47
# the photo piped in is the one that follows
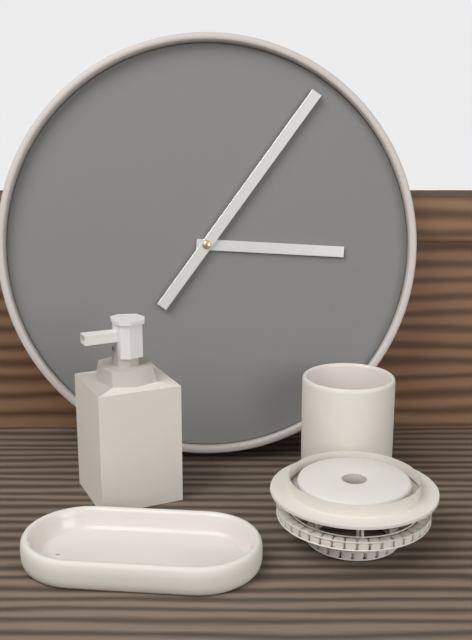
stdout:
3:06
